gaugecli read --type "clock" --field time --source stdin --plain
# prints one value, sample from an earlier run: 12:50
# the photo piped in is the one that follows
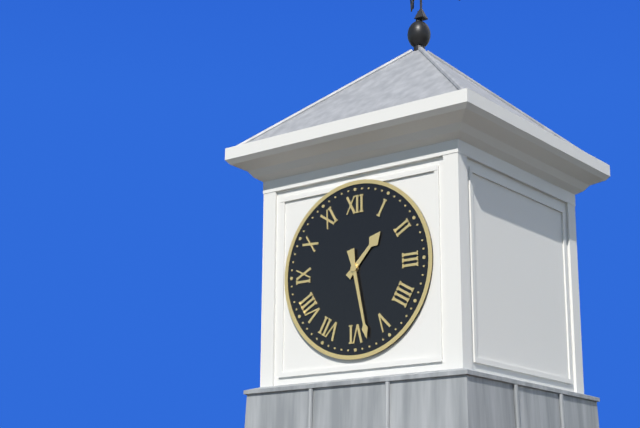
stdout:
1:28
